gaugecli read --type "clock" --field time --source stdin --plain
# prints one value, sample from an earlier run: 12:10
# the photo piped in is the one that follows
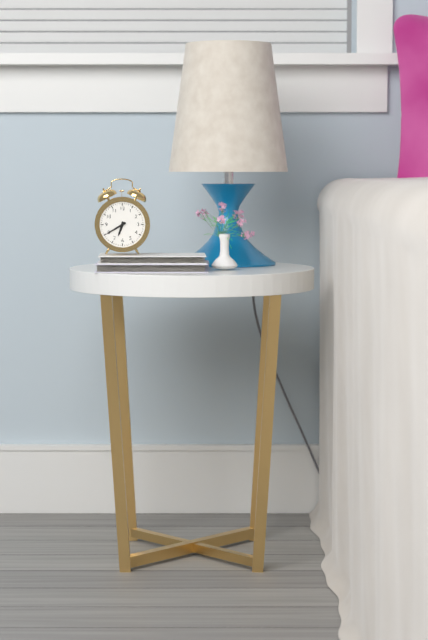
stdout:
6:40
